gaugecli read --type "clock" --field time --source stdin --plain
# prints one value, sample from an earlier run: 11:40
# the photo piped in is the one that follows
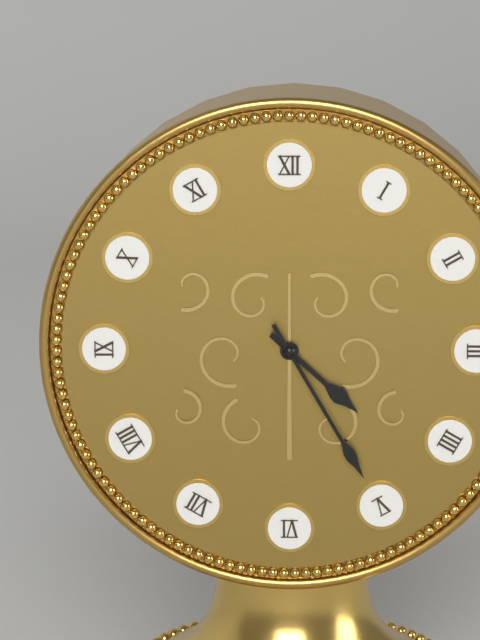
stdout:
4:25
